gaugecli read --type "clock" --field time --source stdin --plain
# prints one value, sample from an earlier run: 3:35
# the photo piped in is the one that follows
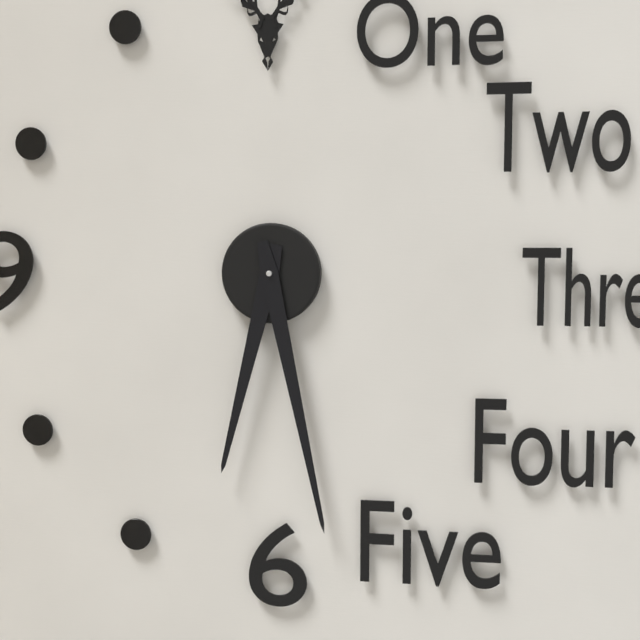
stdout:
6:28
